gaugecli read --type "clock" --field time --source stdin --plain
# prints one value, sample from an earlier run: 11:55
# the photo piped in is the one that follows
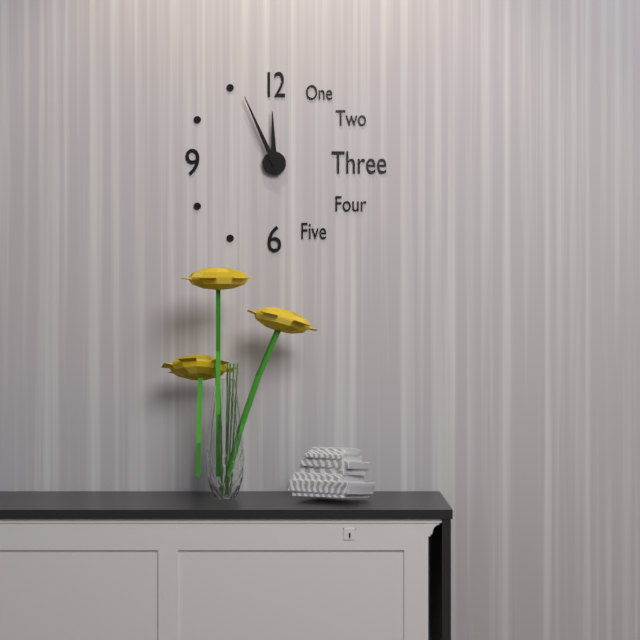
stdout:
11:56
